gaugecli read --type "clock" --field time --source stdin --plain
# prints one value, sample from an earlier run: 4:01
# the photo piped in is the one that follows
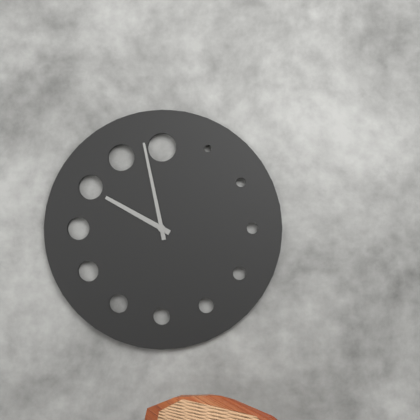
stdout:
9:58
